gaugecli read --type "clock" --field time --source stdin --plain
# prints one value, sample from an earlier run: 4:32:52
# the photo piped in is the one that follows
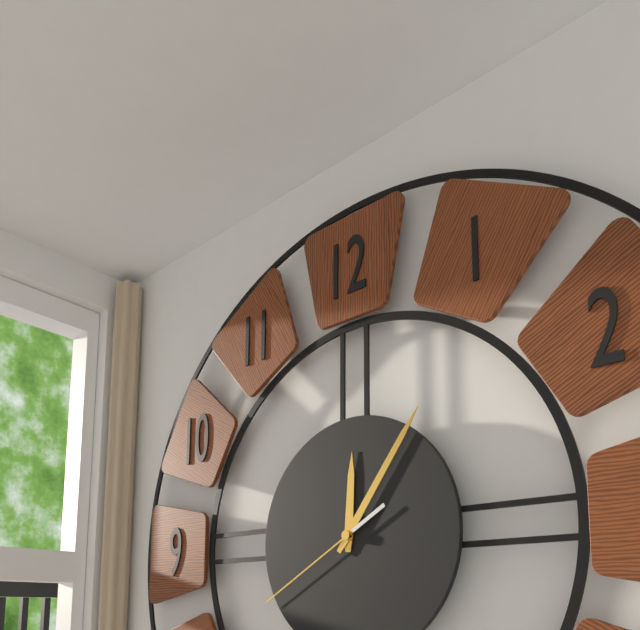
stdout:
12:06:40
